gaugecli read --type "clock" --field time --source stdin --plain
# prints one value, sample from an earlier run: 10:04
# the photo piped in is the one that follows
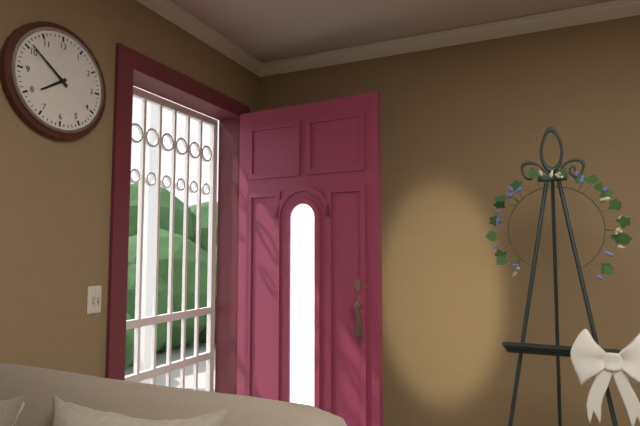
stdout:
7:51
